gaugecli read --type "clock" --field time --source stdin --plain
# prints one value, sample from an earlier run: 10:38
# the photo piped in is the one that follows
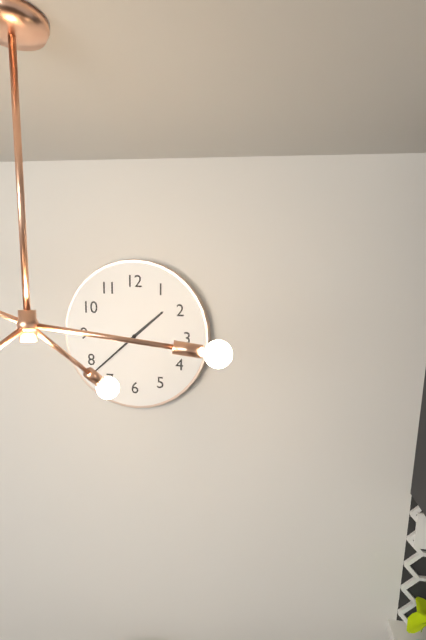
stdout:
1:38
